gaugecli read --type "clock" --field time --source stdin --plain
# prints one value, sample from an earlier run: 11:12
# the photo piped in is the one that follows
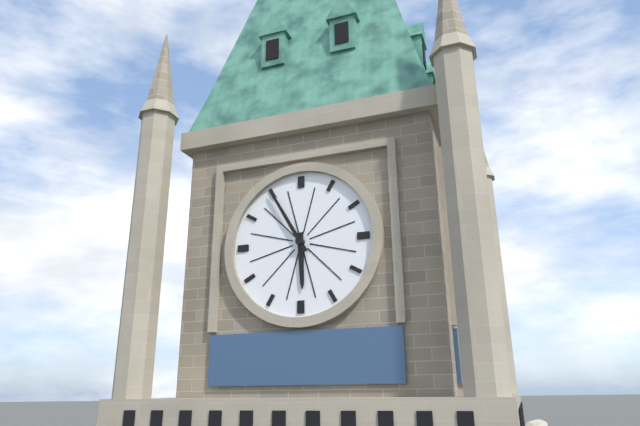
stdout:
5:55
